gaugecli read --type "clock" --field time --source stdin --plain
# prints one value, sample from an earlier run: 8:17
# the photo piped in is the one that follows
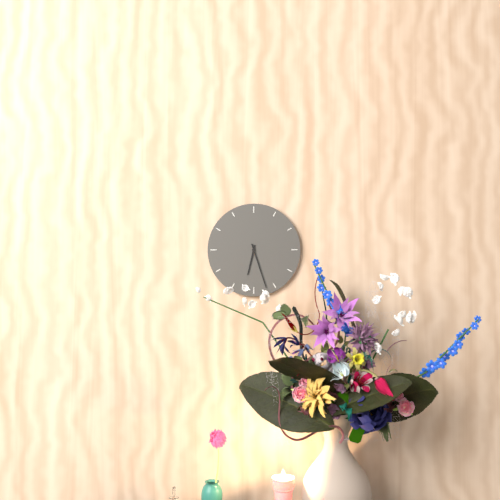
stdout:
6:27
